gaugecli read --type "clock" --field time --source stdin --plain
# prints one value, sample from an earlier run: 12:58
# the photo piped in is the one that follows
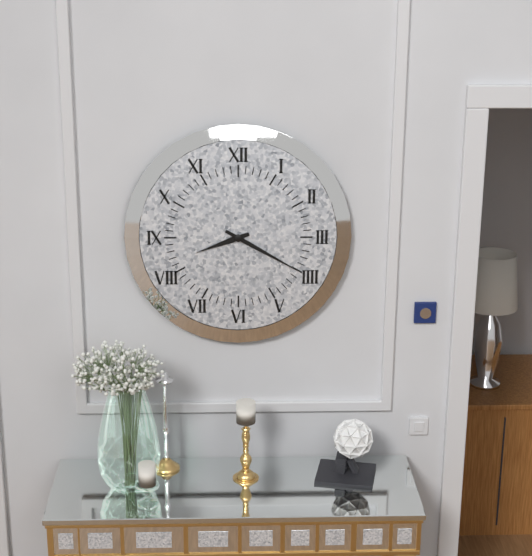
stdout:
8:20
